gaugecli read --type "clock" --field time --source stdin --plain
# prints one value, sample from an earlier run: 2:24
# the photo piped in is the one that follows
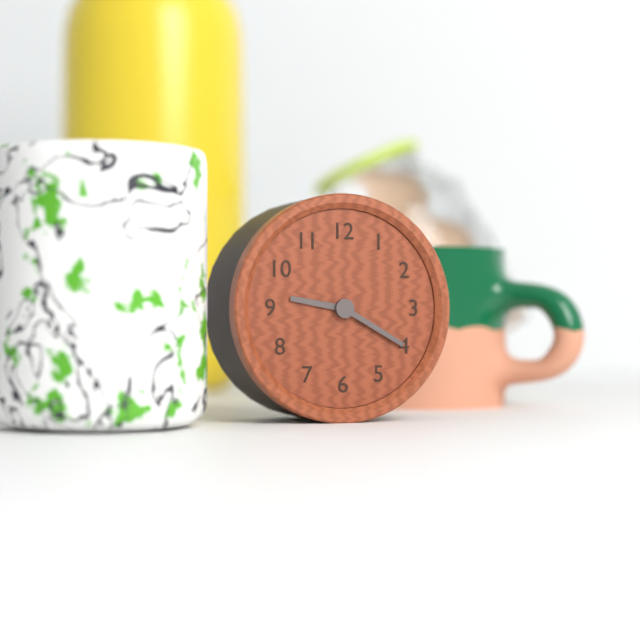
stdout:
9:20
